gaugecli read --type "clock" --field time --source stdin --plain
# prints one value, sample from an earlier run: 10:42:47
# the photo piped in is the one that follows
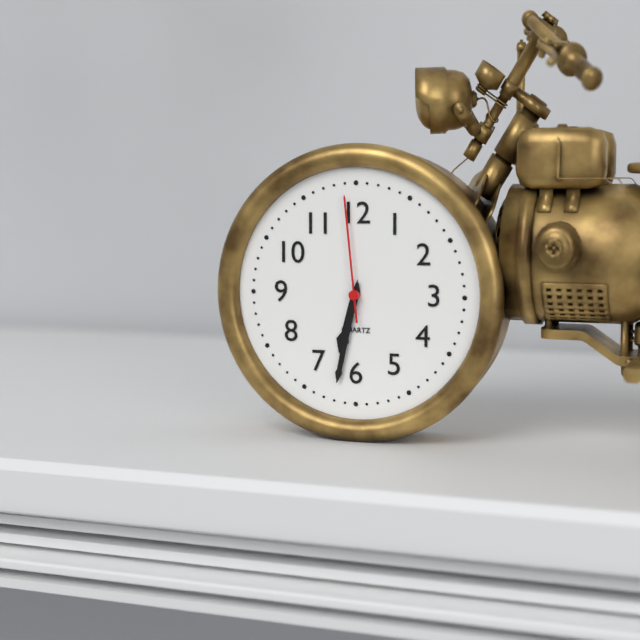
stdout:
6:32:59
